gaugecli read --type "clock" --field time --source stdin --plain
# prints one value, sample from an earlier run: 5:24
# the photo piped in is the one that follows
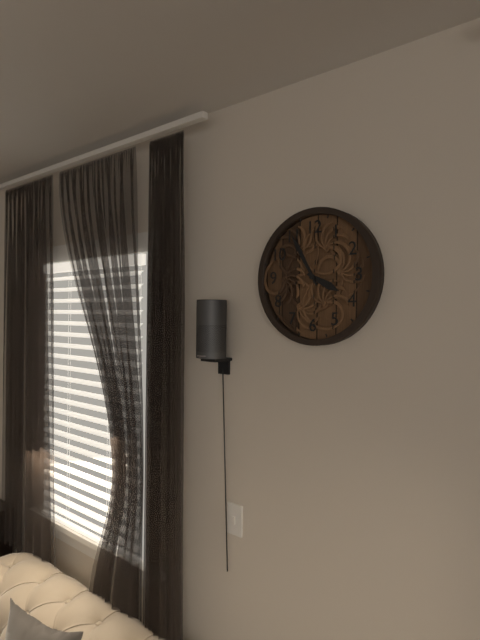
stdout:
3:55
